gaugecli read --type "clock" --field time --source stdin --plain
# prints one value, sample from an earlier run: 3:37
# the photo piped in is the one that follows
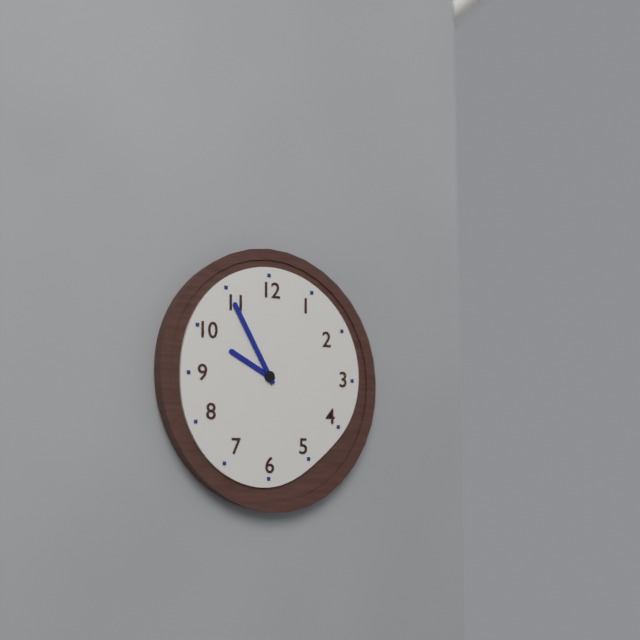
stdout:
9:55
